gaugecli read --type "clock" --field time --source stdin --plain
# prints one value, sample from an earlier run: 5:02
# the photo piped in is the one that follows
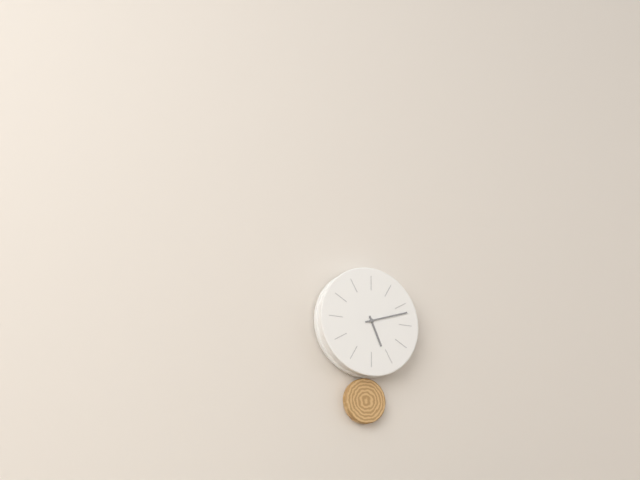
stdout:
5:12
